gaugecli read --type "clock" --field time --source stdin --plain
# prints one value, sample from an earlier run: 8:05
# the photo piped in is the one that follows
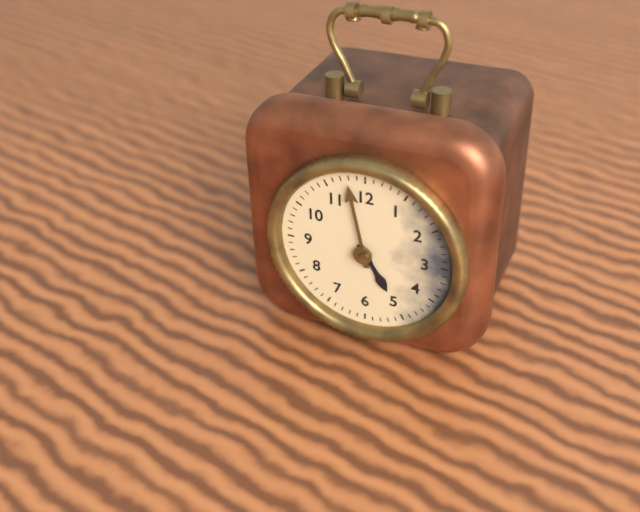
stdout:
4:58
